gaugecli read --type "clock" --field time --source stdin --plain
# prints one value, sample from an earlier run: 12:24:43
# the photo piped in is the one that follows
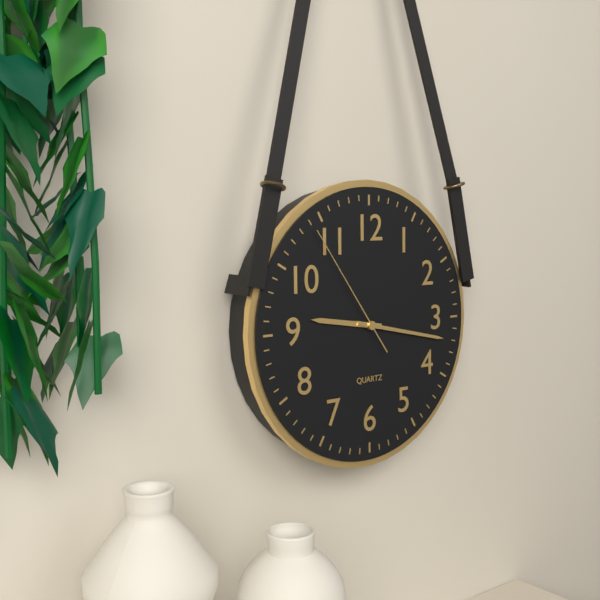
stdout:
9:17:54
